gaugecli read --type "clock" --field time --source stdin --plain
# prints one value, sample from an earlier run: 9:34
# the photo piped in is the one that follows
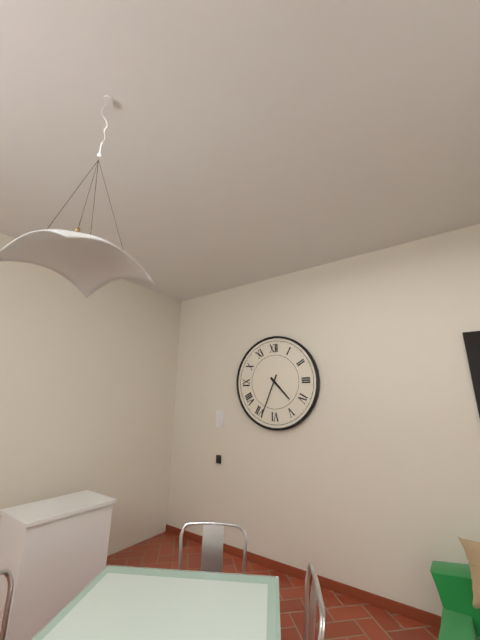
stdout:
4:34
